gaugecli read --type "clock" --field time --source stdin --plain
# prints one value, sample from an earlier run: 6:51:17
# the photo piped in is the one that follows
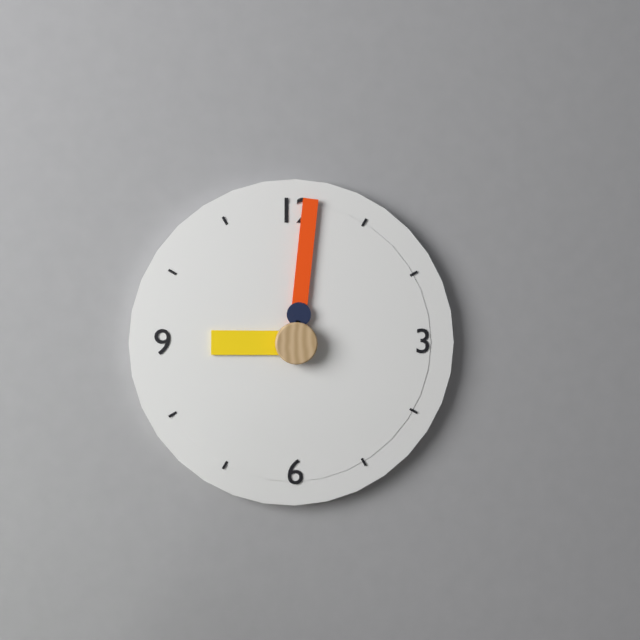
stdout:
9:01:01
